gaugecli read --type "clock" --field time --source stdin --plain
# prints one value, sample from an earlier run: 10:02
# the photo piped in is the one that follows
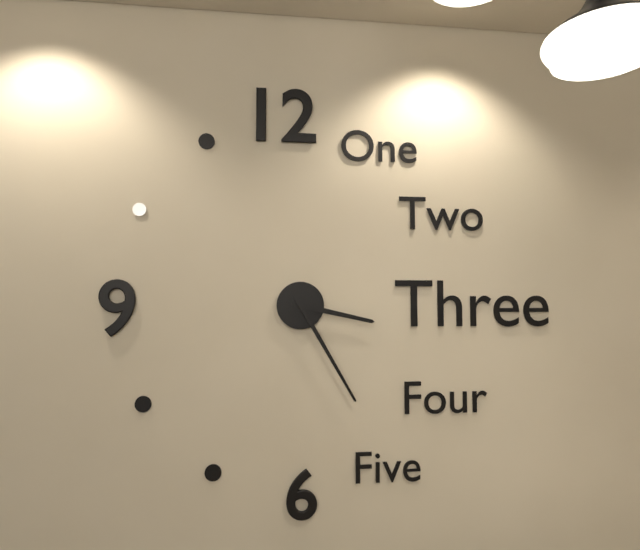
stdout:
3:25
